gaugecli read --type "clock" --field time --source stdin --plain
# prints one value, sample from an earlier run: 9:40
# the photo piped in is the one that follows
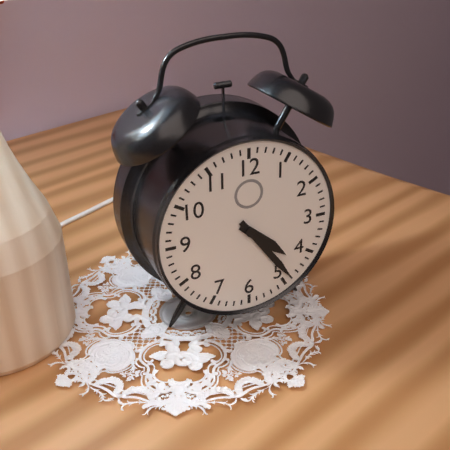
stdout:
4:24
